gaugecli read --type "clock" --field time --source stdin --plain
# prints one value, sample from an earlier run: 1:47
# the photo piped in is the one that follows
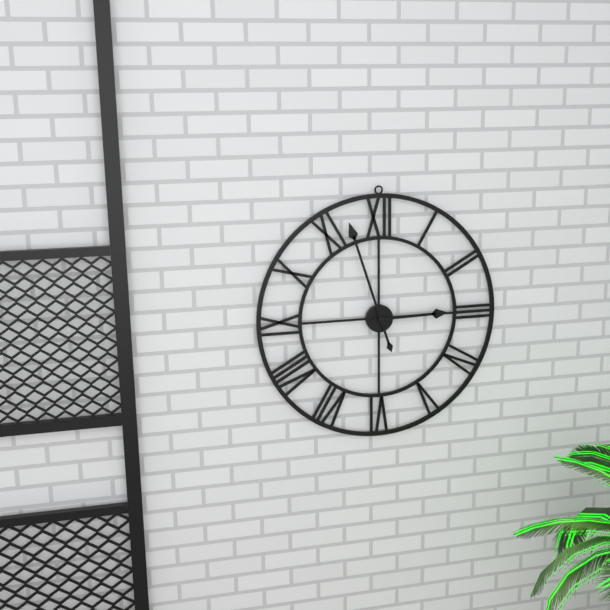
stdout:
2:57
